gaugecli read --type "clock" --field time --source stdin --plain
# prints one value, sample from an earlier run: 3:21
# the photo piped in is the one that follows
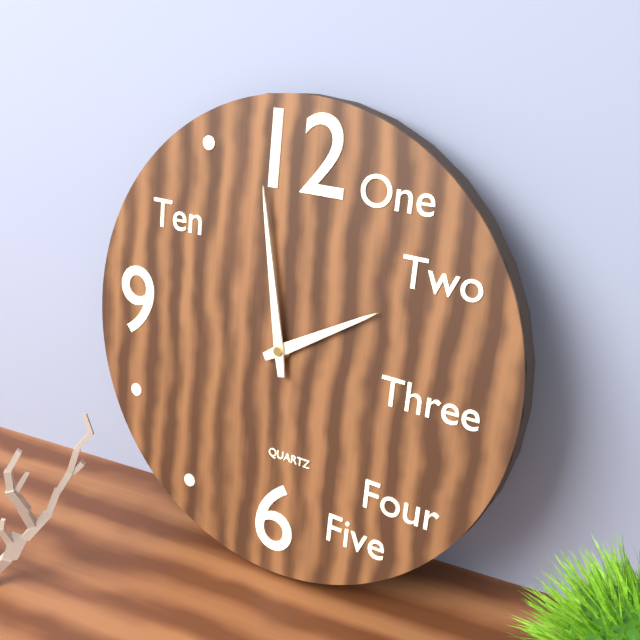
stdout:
1:58
